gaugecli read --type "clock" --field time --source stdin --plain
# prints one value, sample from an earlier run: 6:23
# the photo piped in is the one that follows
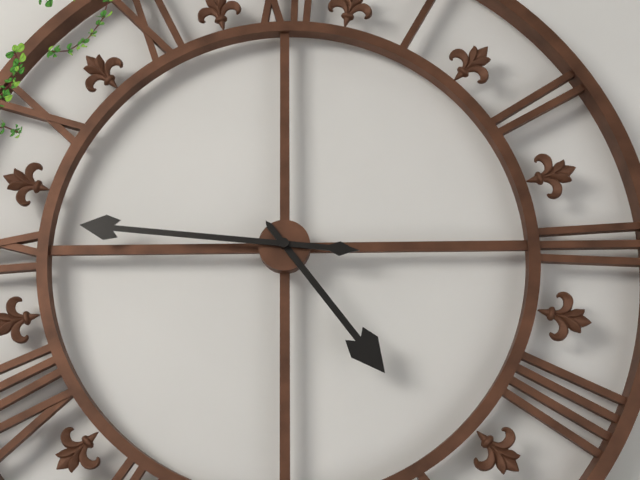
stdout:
4:46
